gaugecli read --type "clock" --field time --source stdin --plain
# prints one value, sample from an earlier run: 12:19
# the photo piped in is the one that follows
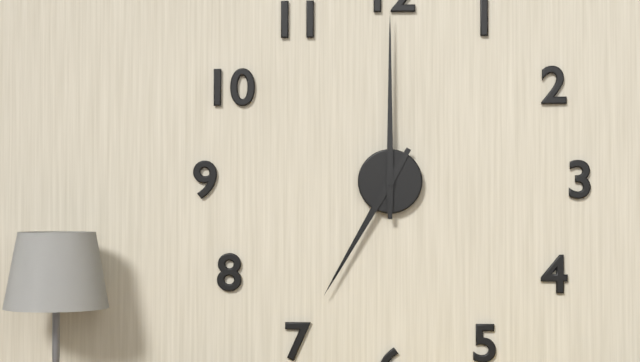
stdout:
7:00
